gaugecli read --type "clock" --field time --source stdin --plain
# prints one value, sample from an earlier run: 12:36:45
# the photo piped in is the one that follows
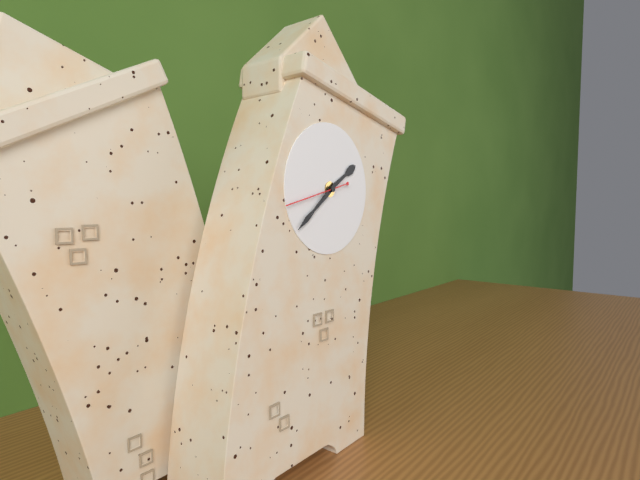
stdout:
1:37:41
